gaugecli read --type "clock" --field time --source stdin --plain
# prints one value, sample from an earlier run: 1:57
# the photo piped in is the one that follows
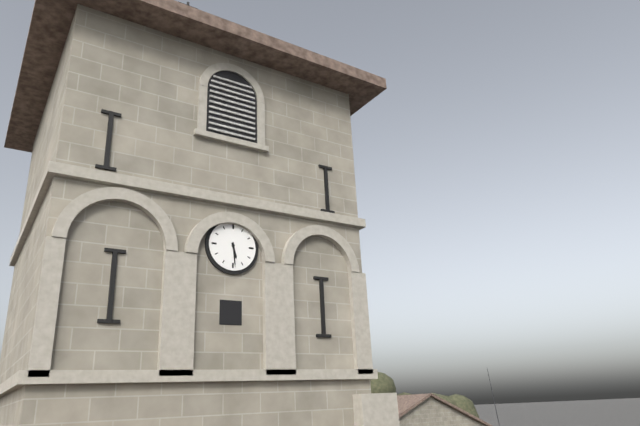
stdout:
5:29
